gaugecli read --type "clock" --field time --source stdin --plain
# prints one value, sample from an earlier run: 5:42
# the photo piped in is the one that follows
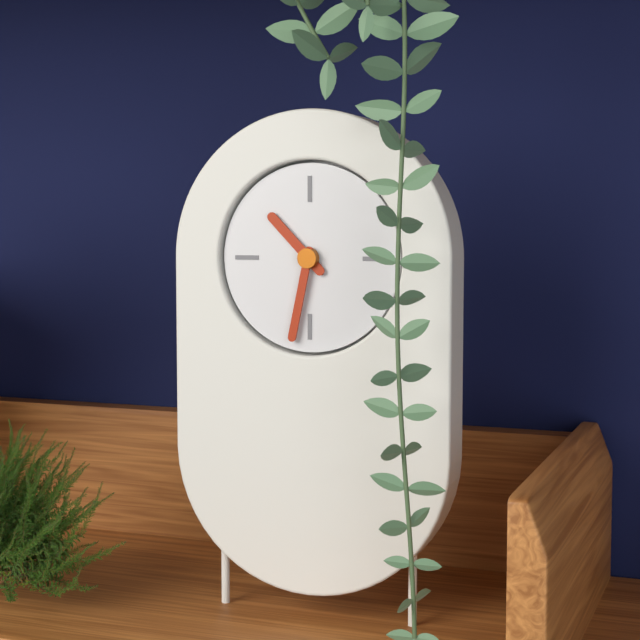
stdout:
10:32
